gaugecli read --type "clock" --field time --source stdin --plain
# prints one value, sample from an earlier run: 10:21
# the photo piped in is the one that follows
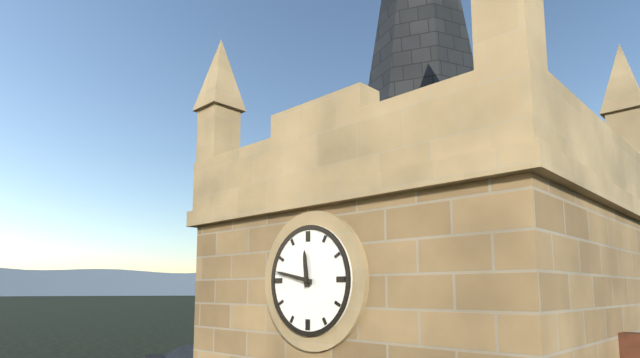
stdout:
11:47
